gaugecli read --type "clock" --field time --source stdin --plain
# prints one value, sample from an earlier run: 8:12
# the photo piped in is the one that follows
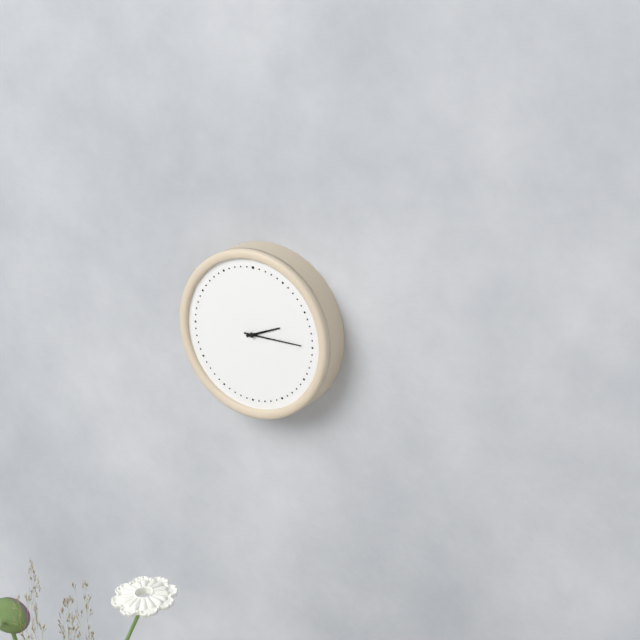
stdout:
2:15
